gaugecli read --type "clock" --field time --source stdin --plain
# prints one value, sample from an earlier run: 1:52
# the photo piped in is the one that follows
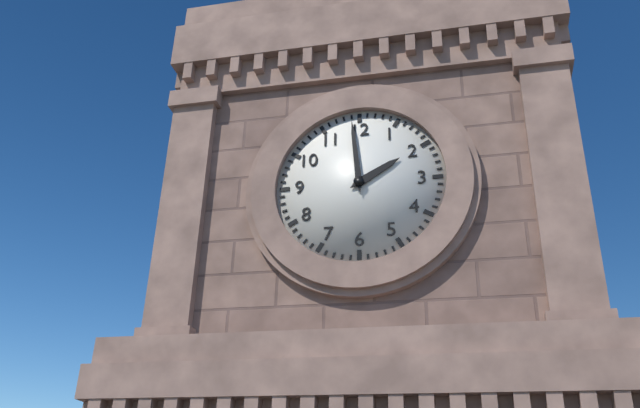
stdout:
1:59
